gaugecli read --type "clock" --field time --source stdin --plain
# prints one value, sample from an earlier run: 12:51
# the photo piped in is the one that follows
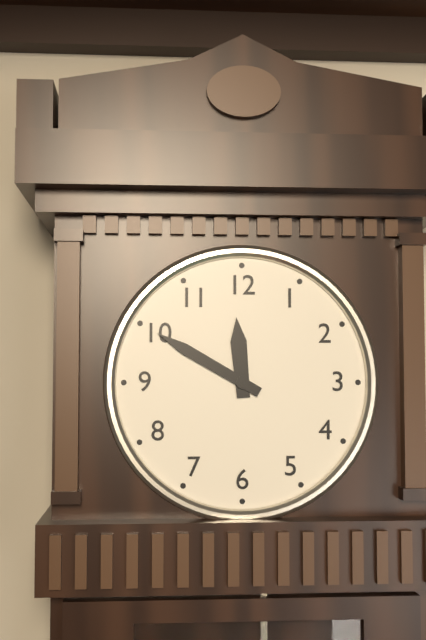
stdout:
11:50
